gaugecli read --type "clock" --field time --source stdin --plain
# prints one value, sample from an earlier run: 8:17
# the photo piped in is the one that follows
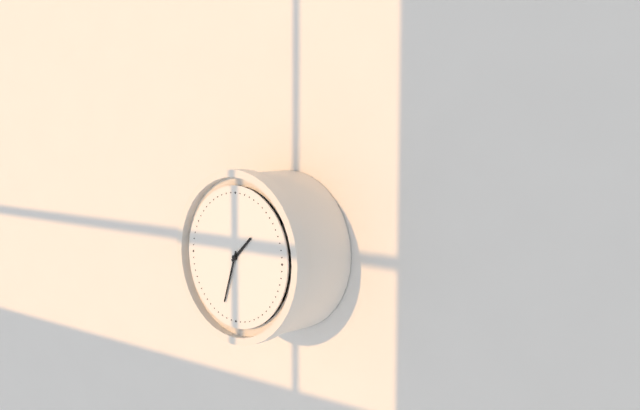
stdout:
1:33
